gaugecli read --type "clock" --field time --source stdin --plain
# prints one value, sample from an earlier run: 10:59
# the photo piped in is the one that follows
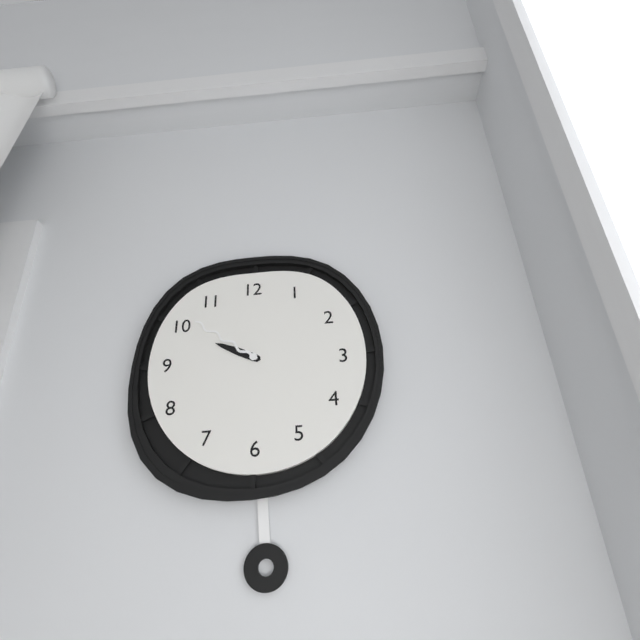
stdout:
9:51
